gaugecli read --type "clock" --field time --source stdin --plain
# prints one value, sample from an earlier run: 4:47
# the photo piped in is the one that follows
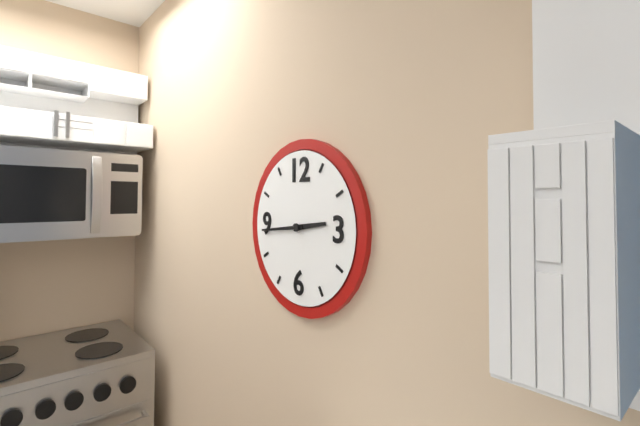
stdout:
2:44
